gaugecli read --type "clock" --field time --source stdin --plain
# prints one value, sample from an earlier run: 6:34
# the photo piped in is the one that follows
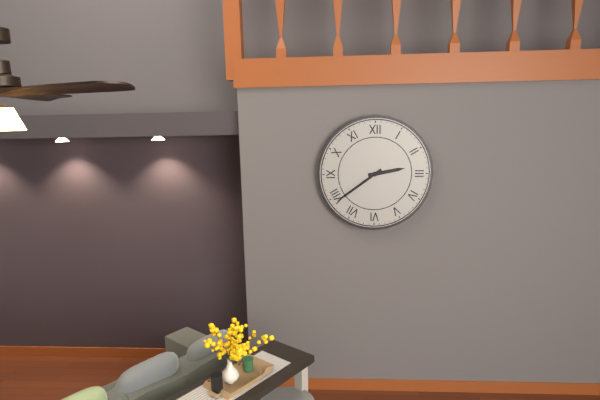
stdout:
2:39
